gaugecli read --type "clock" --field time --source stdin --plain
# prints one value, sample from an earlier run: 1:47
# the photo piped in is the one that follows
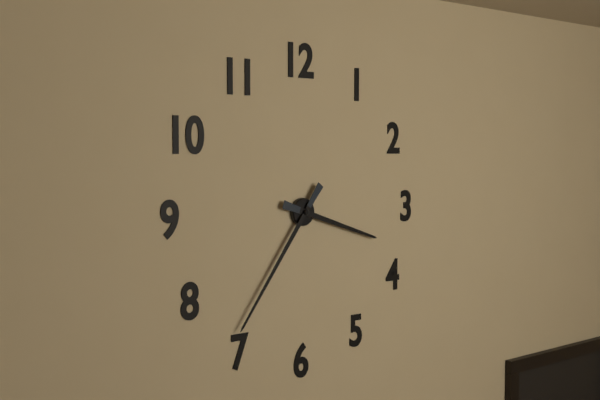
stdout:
3:36
